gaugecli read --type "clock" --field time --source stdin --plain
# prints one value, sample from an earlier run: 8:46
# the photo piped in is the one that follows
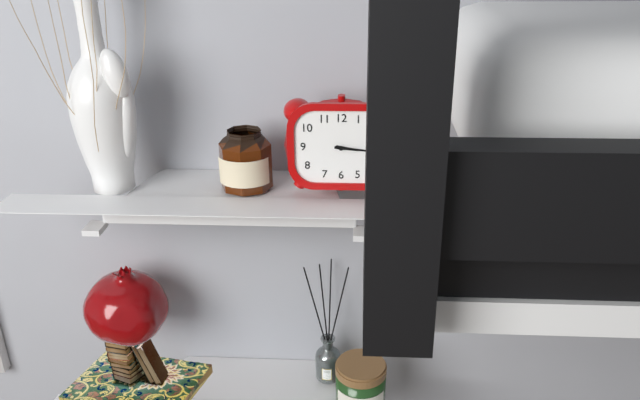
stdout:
3:16
